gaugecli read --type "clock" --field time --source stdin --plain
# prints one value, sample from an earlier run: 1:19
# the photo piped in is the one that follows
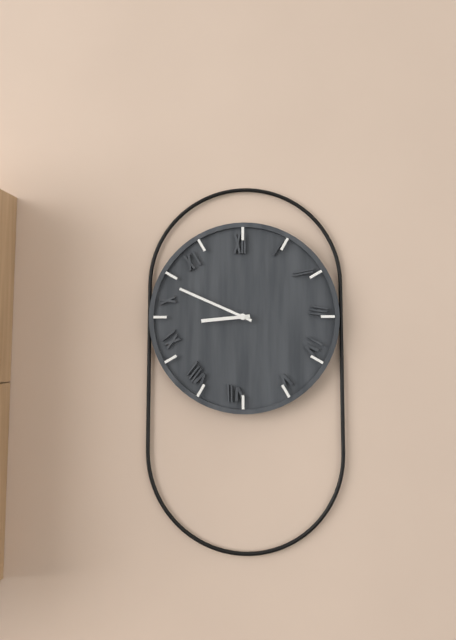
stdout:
8:49
